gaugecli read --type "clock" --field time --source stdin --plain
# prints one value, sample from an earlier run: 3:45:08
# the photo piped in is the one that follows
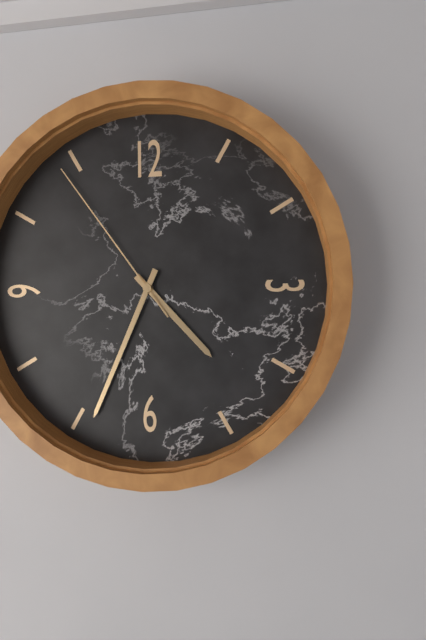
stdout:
4:34:54
